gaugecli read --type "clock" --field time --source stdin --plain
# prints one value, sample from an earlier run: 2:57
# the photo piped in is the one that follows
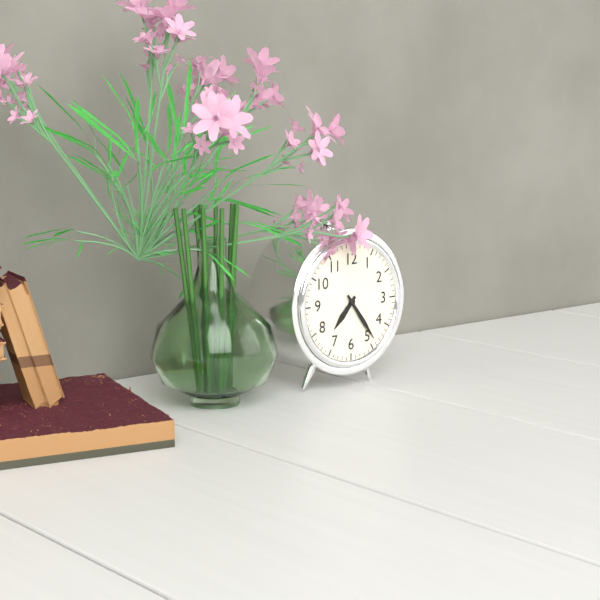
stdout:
7:24
